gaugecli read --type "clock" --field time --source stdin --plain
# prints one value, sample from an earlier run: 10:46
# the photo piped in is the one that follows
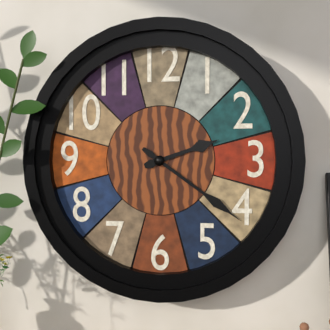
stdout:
2:21
